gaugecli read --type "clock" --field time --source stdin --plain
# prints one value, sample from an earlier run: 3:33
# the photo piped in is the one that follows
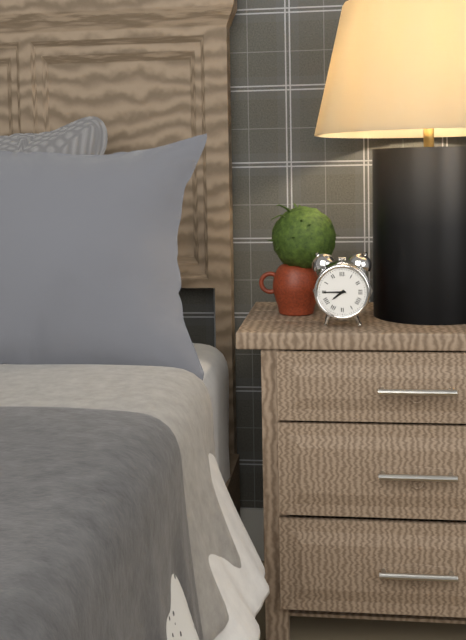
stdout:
7:45
